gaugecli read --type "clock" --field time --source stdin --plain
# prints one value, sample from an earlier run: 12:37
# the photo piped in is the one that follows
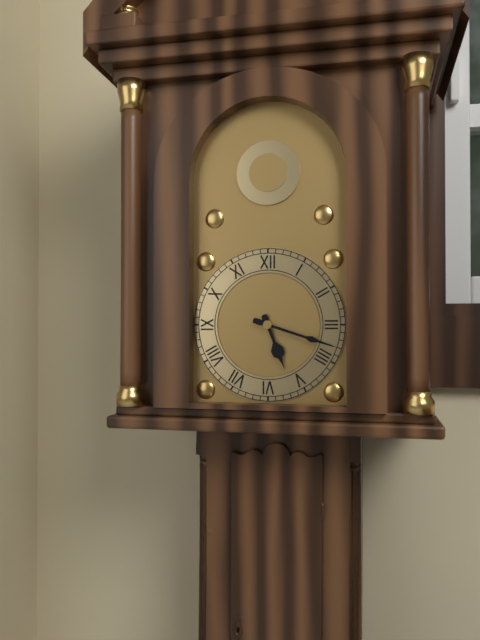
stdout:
5:18
